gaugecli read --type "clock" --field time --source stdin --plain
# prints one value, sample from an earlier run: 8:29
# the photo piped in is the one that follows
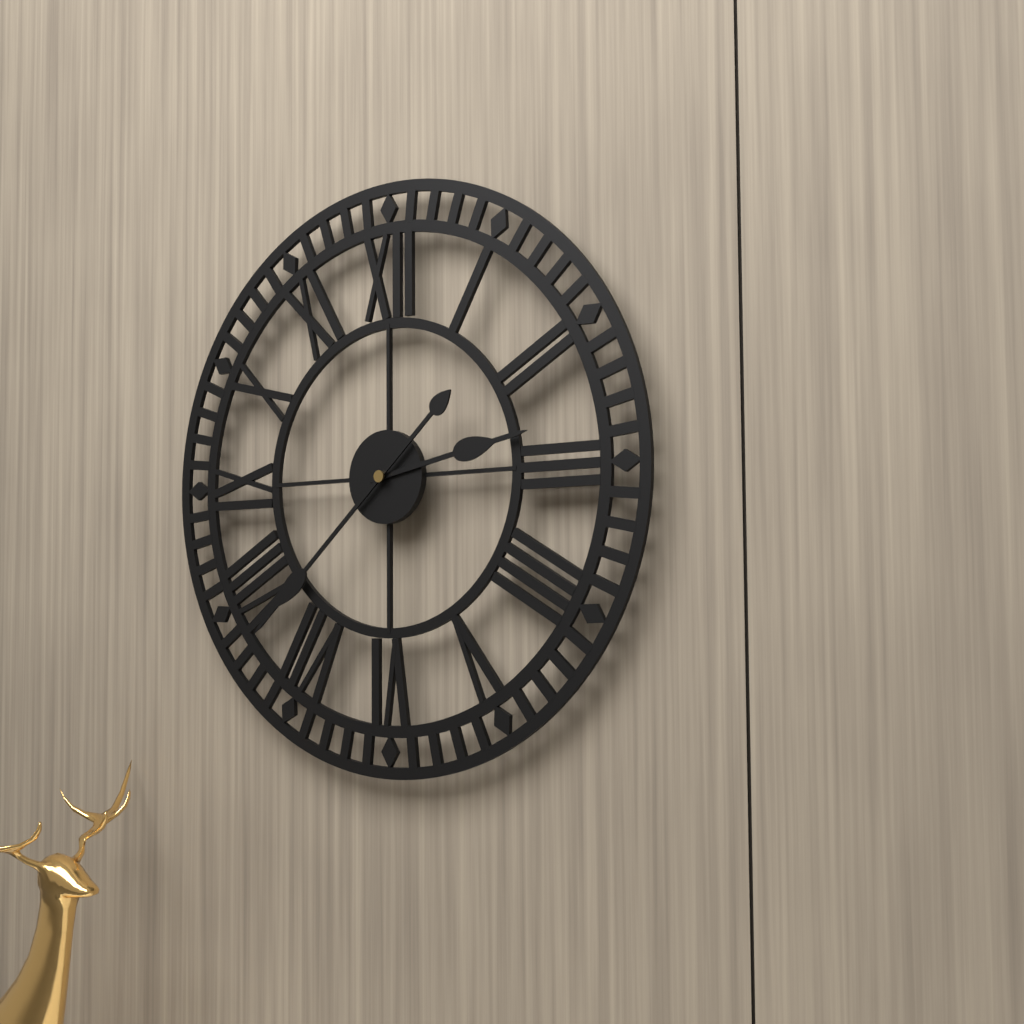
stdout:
2:38
